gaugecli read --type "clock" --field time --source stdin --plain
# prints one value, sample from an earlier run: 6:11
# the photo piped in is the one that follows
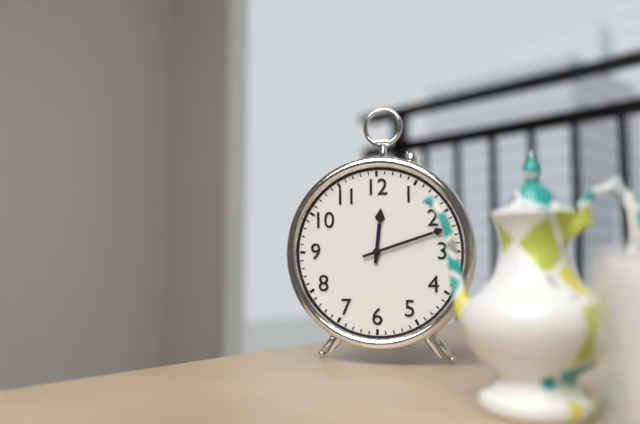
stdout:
12:12
